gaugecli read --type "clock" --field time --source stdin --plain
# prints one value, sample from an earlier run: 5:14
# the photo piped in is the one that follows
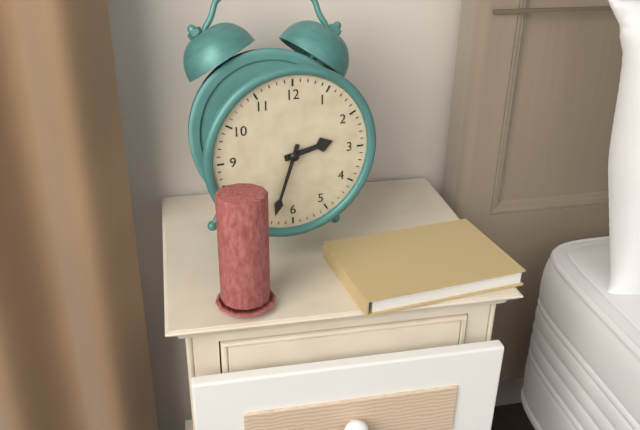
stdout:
2:33
